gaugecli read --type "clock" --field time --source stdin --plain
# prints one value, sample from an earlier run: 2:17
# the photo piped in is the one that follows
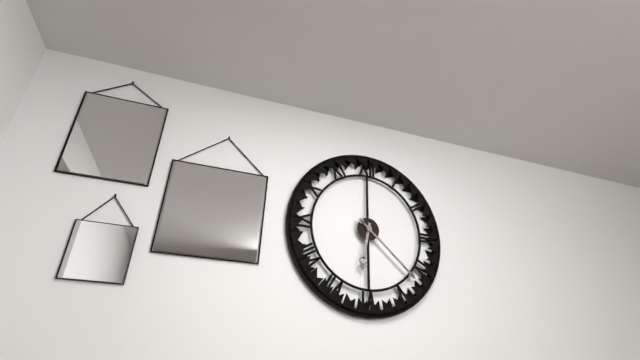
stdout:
6:22
